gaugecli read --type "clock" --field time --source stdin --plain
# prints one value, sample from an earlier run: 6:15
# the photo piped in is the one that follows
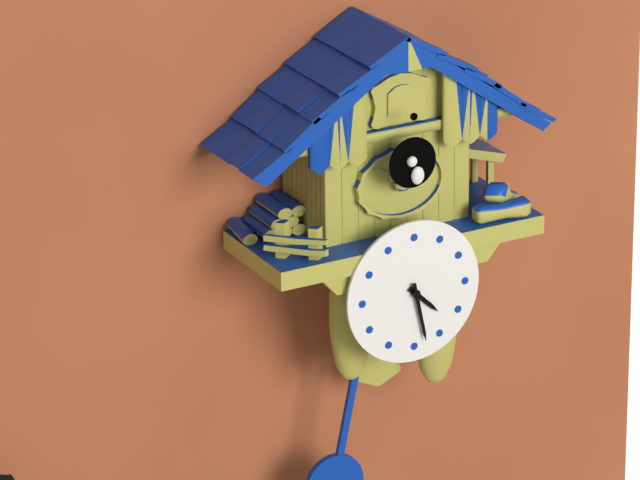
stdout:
4:28
